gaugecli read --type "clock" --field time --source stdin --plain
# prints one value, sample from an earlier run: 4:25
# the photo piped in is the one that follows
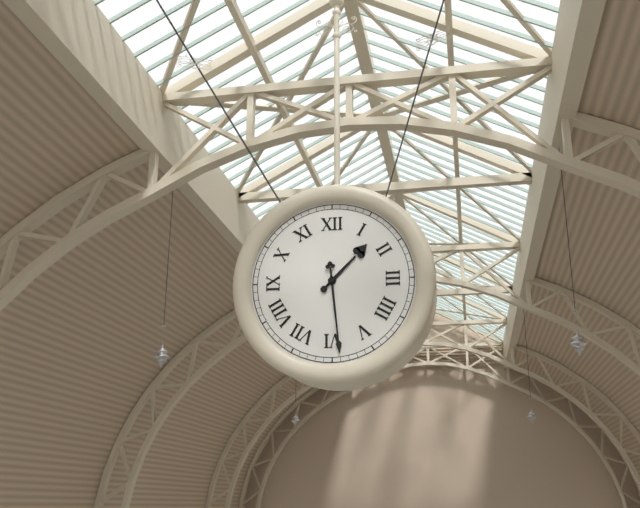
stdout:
1:29
